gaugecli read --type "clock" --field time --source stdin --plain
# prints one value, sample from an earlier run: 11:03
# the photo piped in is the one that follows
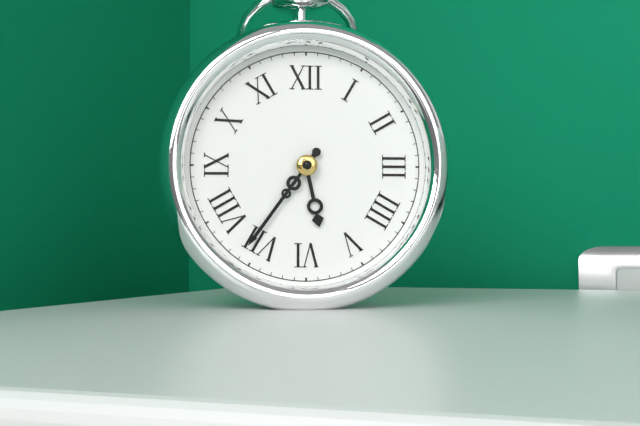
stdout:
5:36
